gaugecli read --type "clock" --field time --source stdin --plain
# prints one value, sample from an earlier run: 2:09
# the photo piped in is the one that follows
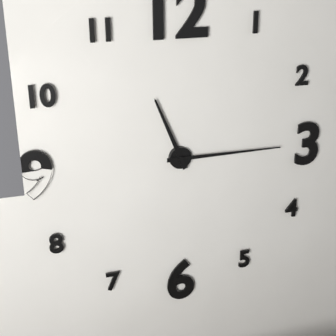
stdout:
11:15
